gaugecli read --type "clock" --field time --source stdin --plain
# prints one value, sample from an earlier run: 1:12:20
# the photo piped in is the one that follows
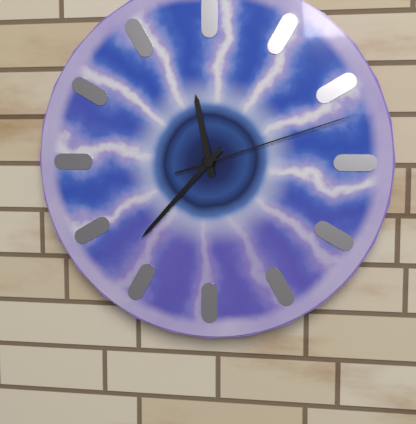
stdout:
11:37:12
